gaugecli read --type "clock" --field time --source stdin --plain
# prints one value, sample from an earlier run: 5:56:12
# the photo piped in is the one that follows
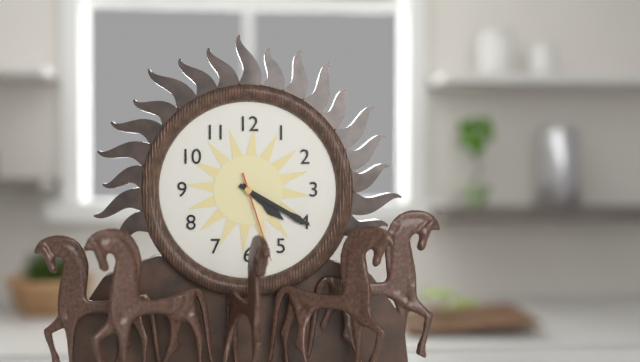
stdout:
4:20:27
